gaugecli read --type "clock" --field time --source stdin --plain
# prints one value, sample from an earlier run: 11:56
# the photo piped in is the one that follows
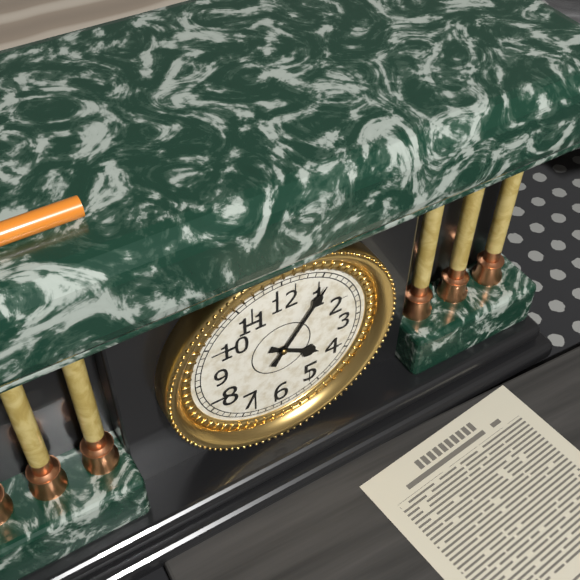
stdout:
4:06
